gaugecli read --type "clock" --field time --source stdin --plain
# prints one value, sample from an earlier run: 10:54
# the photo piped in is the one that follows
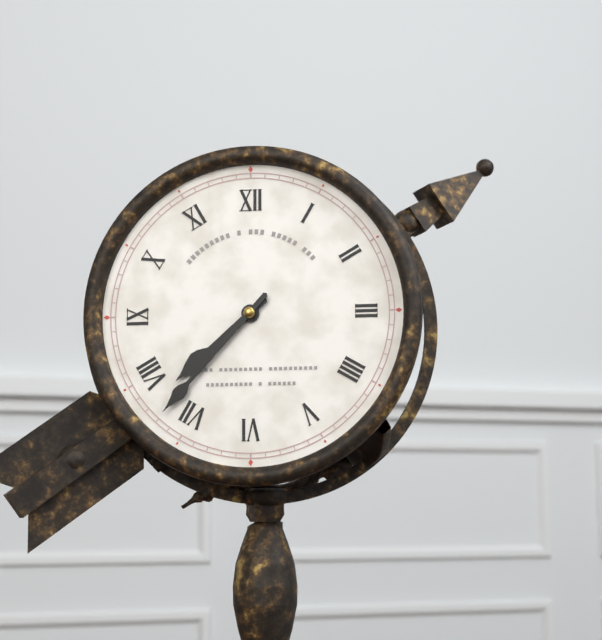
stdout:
7:37
